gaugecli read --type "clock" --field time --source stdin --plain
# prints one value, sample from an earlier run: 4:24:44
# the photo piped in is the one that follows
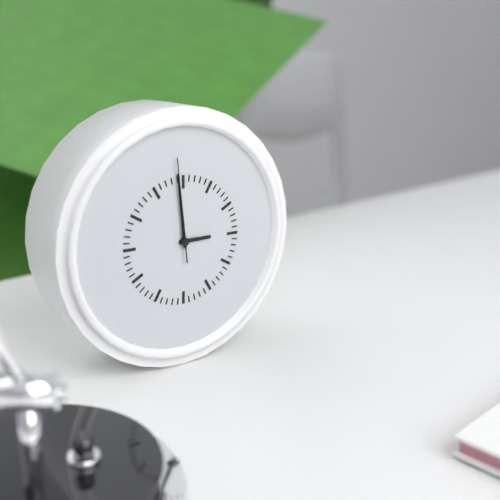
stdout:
2:59:59
